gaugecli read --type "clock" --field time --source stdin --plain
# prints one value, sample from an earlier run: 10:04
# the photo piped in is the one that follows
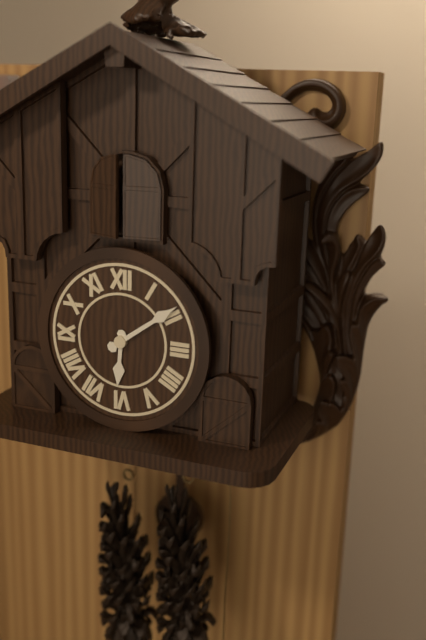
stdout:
6:09
